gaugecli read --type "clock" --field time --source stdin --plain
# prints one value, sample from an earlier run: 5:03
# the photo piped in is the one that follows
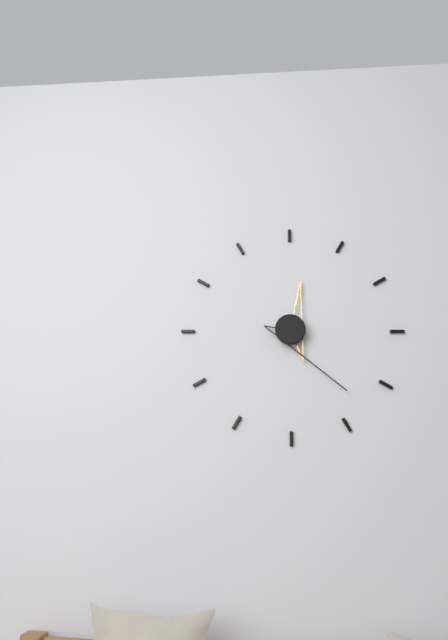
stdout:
12:23
